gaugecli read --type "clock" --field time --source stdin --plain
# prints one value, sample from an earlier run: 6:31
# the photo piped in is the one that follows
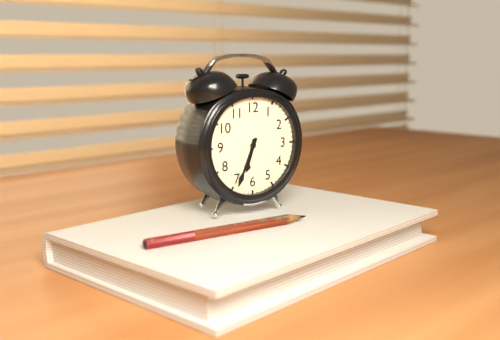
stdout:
6:34
